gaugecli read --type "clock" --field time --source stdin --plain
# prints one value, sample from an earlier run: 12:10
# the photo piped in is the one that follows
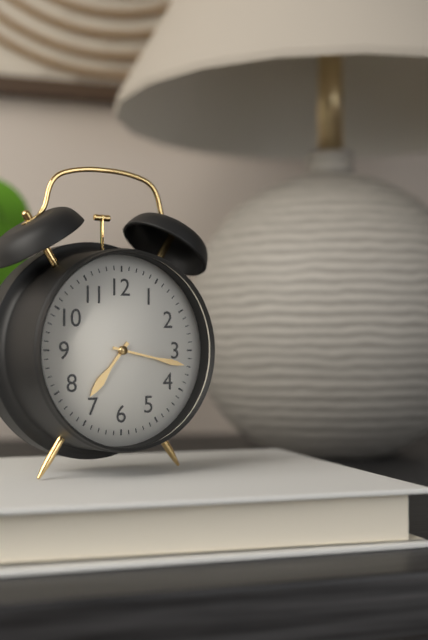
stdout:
7:17
